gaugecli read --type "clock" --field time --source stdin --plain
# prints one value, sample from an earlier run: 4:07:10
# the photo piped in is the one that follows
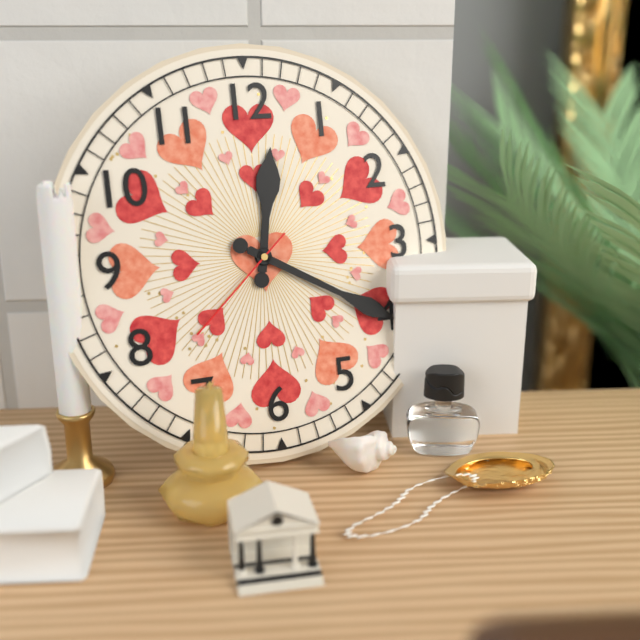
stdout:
12:20:38
